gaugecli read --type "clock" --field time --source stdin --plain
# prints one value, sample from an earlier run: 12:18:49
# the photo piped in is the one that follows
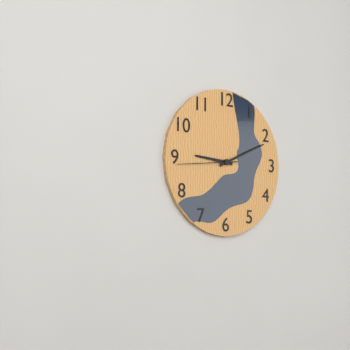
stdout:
9:11:44
